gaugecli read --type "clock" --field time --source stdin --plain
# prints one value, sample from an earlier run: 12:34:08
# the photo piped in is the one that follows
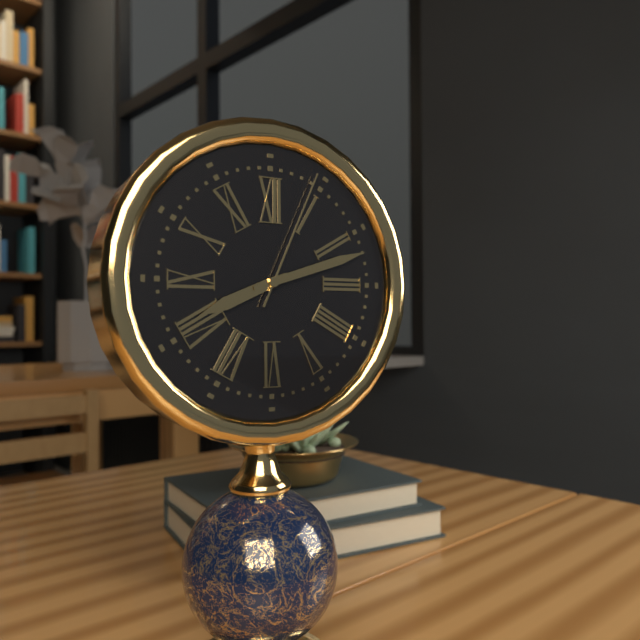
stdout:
8:12:04
